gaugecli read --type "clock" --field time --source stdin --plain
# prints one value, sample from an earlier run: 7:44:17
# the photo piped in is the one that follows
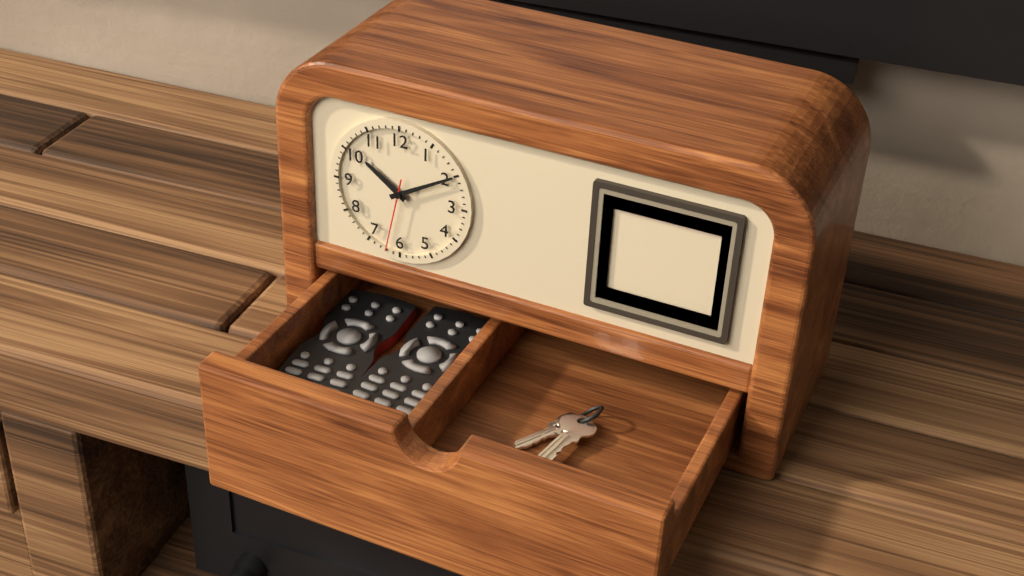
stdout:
10:10:32
